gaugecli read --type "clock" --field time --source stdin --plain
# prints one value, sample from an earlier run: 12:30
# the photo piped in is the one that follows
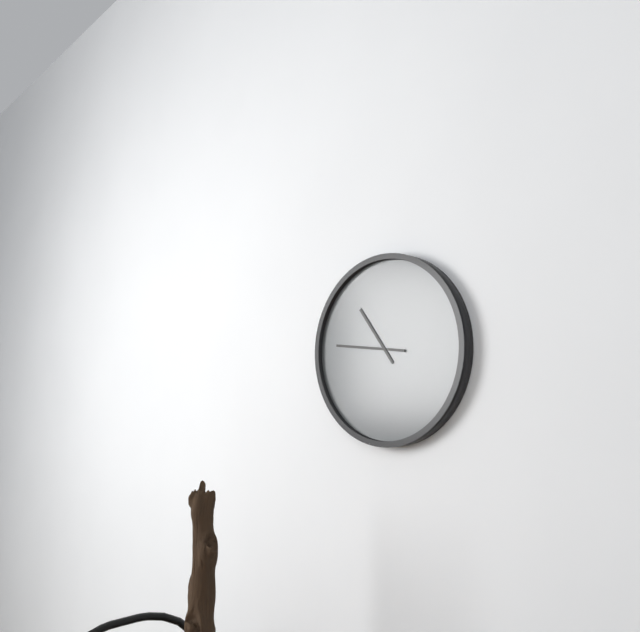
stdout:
10:46
